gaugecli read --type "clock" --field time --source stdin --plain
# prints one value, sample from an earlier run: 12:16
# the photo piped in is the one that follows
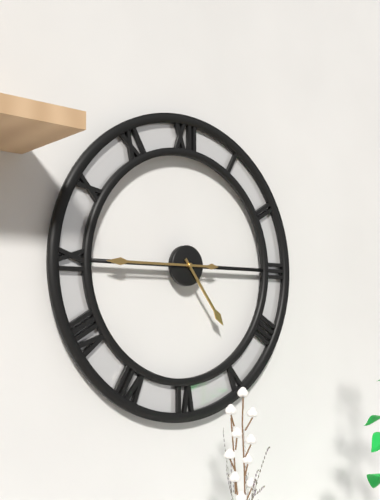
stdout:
4:45
